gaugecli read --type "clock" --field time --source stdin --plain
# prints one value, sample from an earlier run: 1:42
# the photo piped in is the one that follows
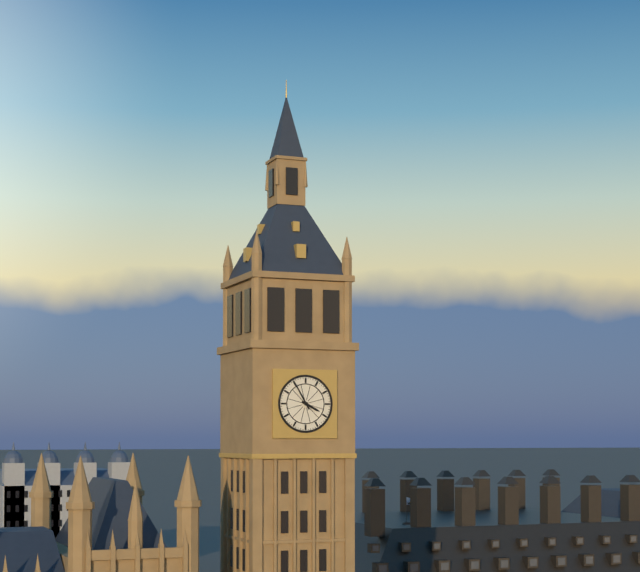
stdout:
3:55
